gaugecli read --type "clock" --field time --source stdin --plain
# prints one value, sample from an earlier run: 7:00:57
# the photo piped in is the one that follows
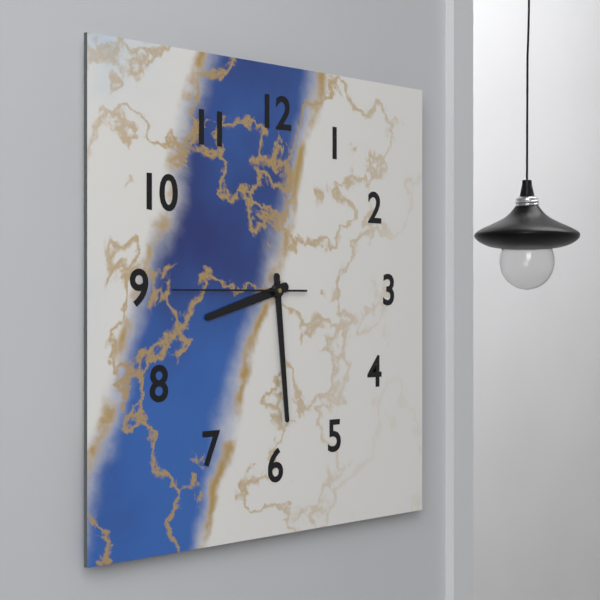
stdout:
8:29:45
